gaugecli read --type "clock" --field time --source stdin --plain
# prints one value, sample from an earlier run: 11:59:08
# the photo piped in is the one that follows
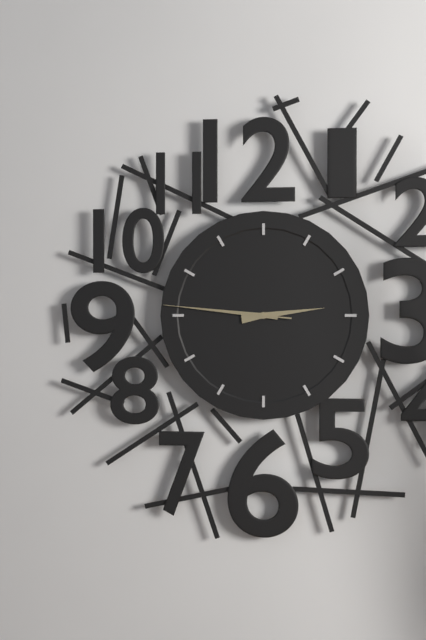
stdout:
2:46:46
